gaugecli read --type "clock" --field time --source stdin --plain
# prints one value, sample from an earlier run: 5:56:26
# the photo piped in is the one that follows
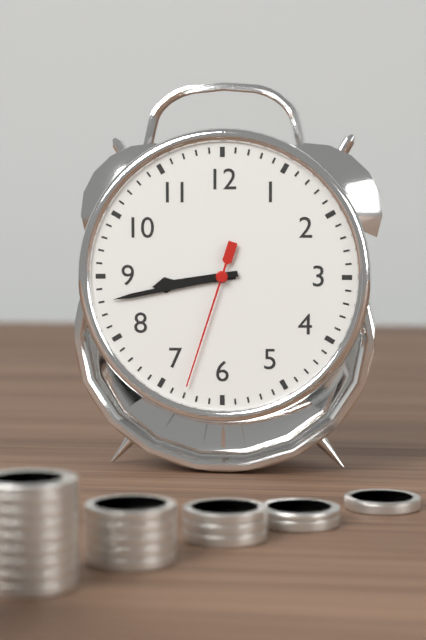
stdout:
8:43:33
